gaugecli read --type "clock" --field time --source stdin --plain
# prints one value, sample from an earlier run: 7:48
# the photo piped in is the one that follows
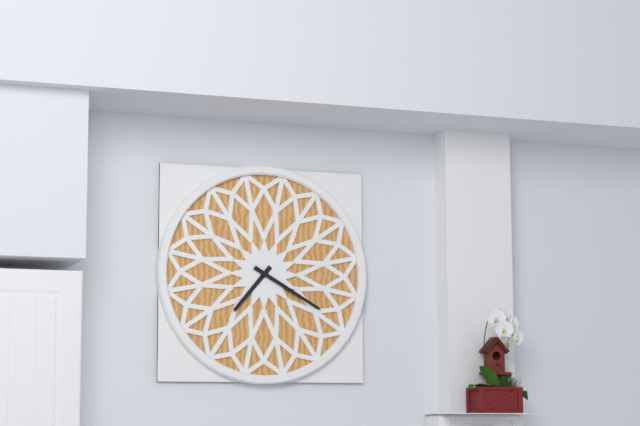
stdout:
7:20
